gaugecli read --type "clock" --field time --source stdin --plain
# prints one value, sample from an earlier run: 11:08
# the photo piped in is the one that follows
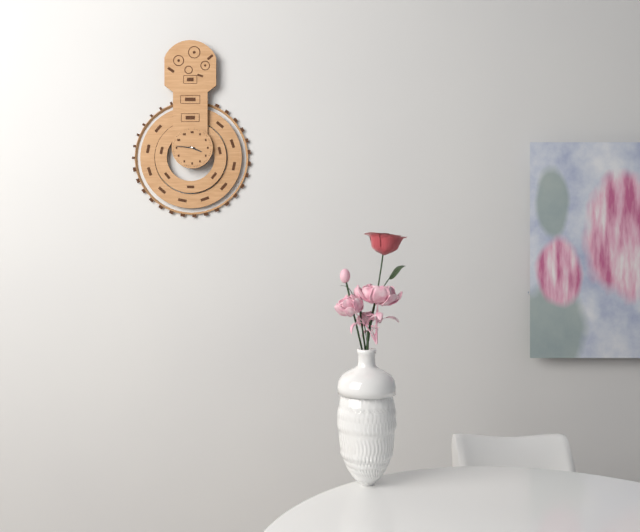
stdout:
3:46
